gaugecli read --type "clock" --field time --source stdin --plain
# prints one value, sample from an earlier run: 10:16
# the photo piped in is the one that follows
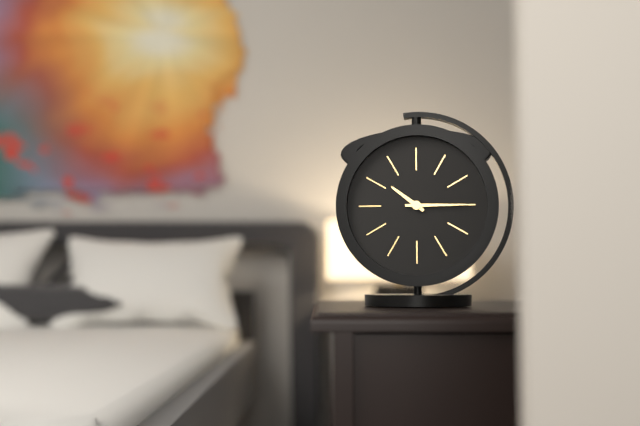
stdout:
10:15
